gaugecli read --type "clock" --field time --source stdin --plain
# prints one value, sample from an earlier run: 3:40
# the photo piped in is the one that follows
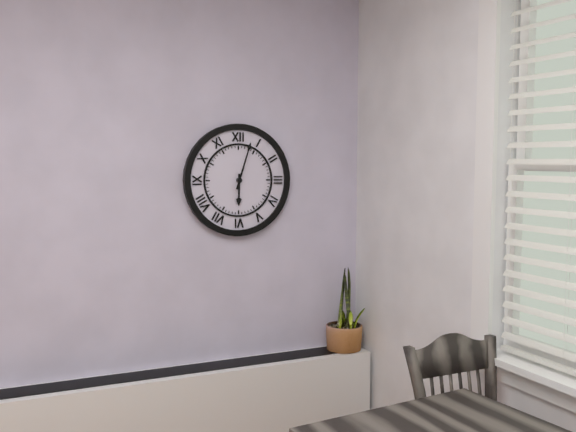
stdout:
6:03
